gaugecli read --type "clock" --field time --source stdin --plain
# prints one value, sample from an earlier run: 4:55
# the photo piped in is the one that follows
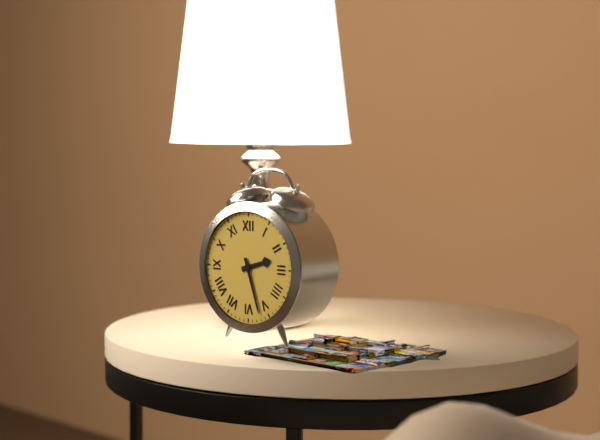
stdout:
2:27
